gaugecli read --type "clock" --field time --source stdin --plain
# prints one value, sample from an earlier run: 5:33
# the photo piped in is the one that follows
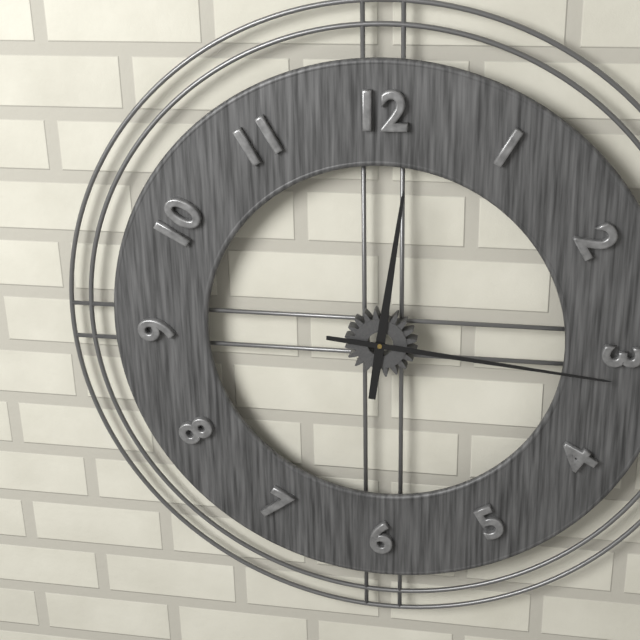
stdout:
12:16
